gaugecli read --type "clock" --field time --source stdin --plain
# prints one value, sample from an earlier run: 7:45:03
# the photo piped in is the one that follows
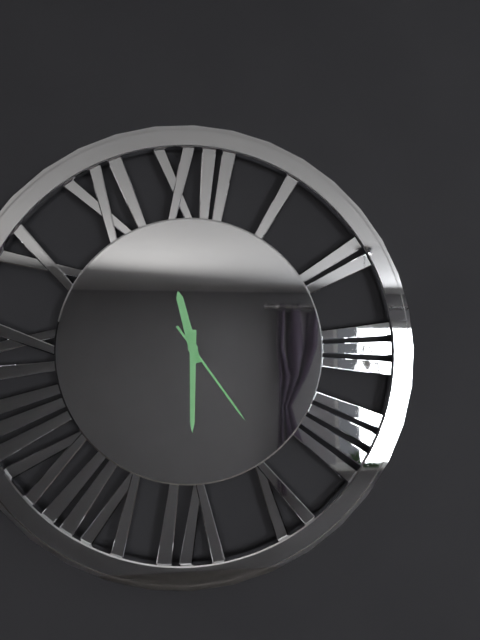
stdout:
11:30:24
